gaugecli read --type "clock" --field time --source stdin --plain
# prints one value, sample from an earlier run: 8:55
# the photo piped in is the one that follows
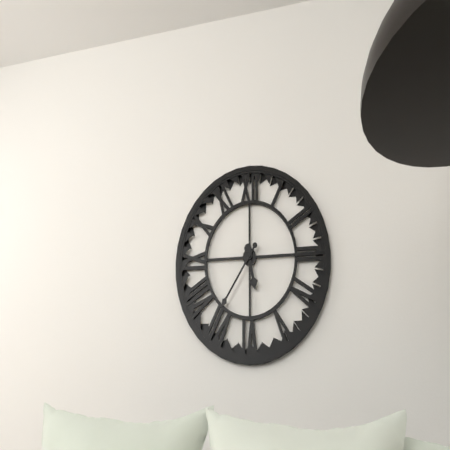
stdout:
5:36
